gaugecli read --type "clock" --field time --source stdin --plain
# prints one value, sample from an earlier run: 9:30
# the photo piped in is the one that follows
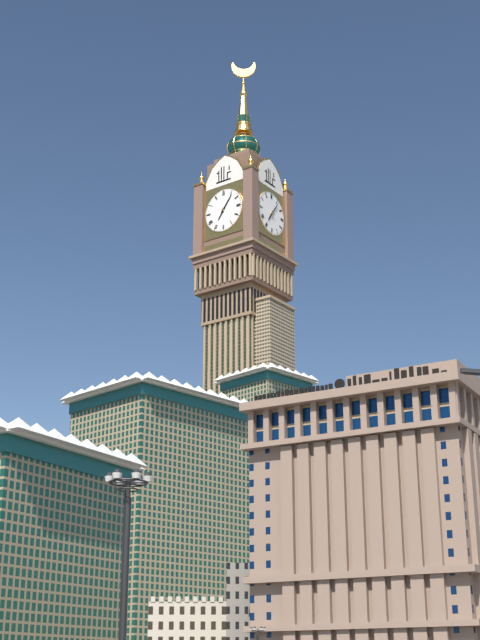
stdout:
7:06
